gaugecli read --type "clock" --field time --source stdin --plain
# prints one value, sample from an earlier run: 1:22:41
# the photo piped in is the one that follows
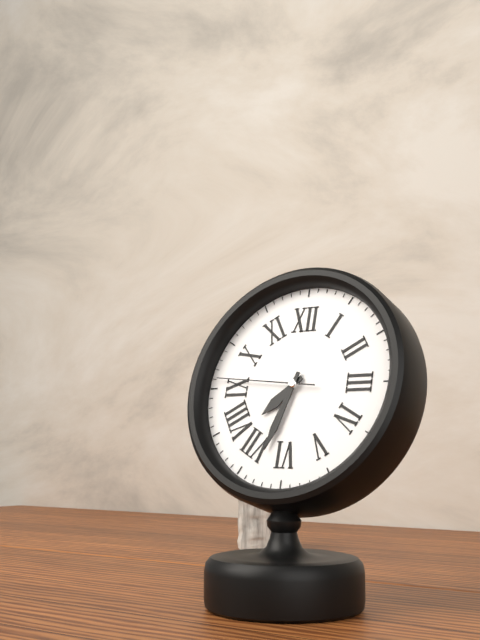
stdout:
7:33:46
